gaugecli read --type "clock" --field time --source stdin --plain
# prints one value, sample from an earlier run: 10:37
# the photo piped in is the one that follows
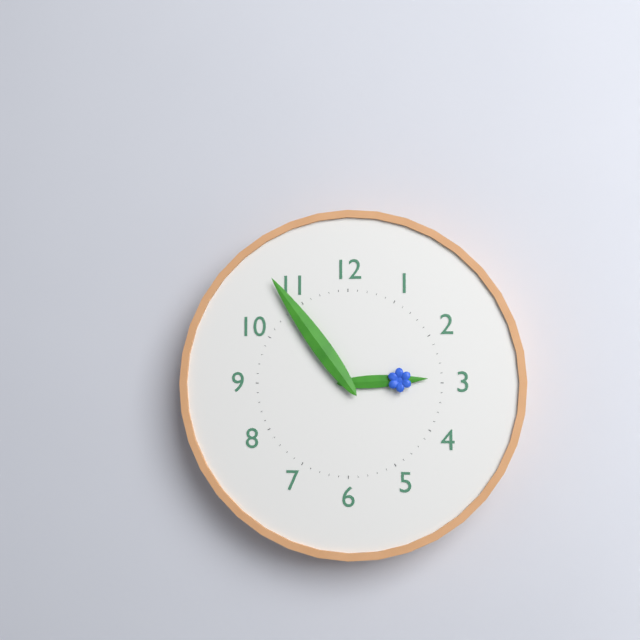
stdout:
2:54
